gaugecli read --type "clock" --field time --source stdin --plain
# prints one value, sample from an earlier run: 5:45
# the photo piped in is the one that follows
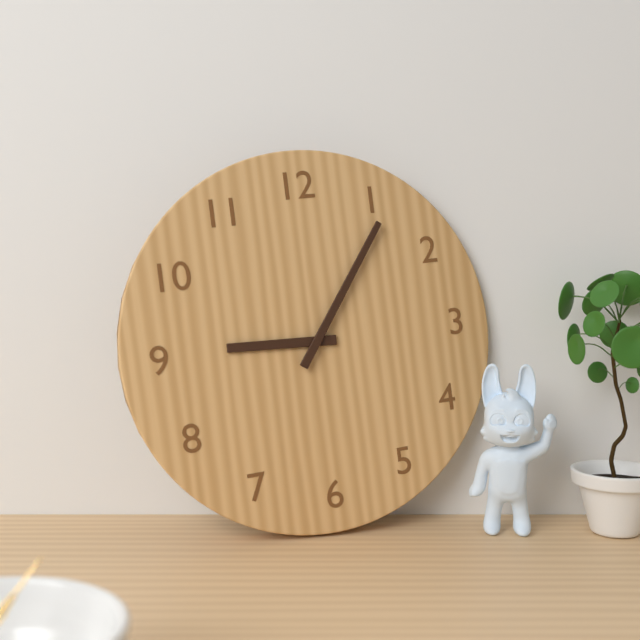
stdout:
9:06
